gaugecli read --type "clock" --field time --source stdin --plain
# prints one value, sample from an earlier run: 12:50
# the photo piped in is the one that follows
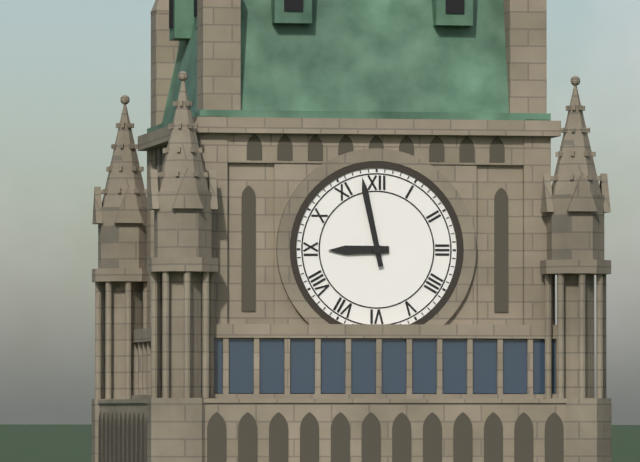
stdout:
8:58
